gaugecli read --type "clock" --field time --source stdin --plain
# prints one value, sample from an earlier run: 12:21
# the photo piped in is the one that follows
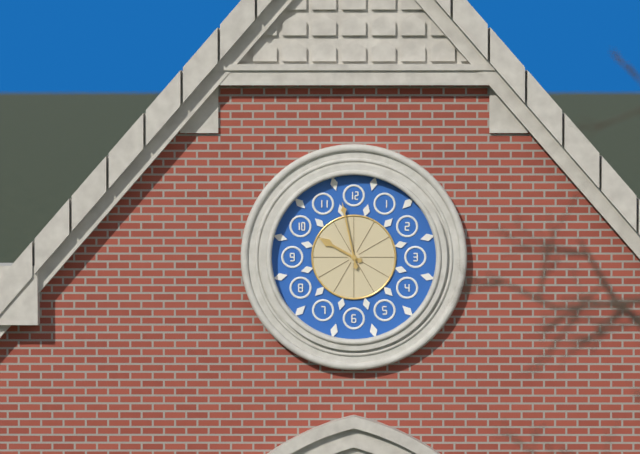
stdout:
9:58
